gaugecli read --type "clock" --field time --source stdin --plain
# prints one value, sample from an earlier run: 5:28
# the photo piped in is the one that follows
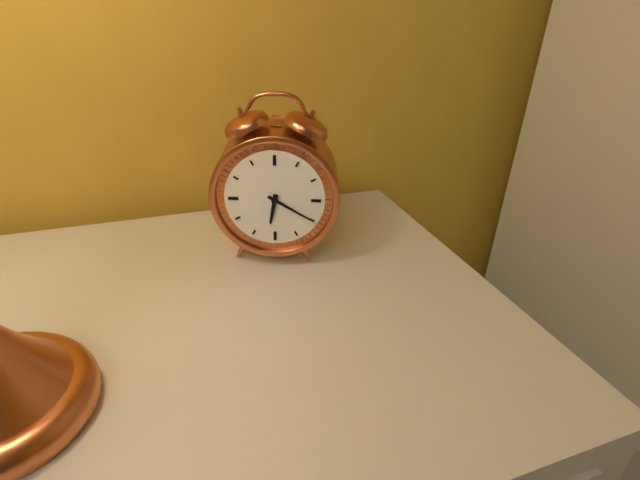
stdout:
6:20
